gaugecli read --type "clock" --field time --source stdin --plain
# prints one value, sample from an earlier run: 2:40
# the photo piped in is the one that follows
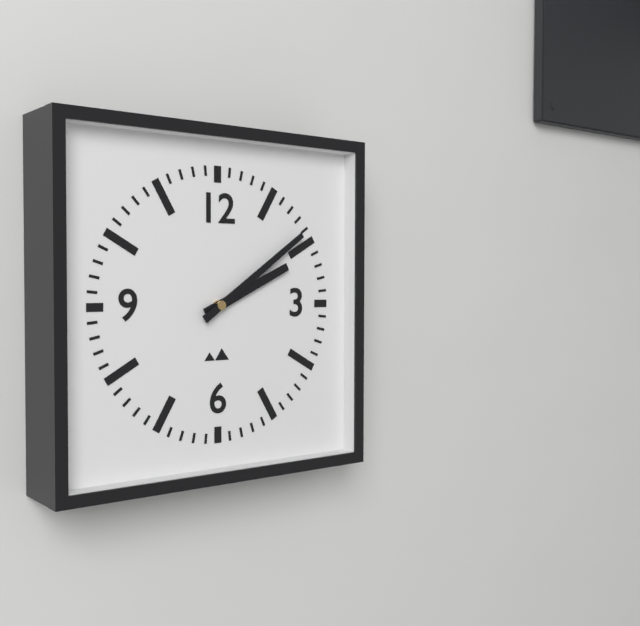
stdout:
2:09
